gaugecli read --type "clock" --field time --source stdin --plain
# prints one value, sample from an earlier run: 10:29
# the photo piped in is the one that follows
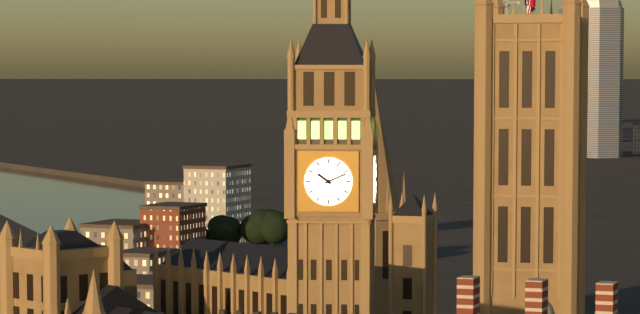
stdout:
10:11
